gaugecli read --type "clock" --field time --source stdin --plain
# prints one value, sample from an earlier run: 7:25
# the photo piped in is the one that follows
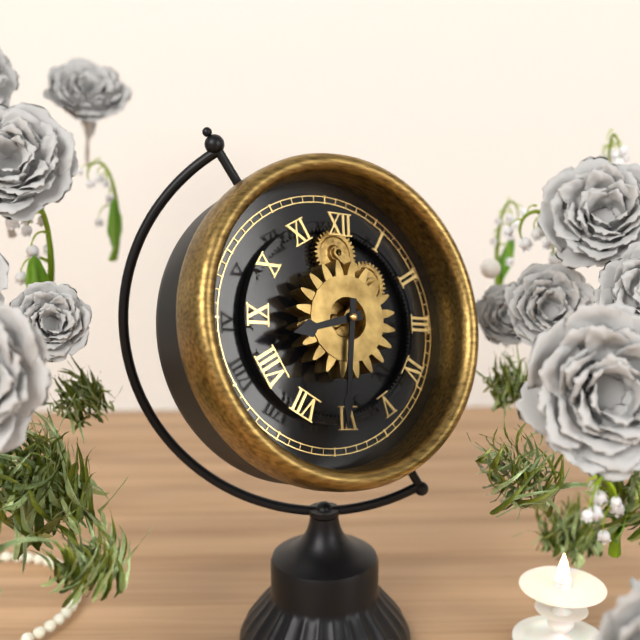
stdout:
8:31
